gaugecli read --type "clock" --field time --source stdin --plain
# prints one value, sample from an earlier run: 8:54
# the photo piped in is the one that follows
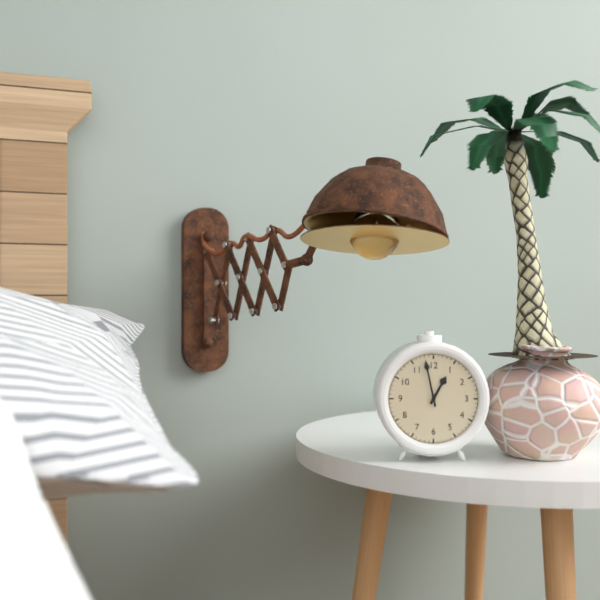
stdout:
12:58
